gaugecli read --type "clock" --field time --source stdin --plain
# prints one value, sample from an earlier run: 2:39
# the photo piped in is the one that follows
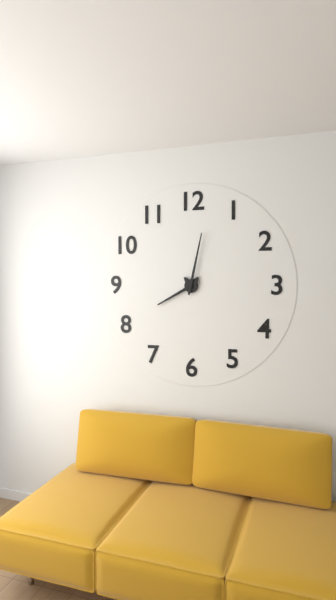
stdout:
8:02
